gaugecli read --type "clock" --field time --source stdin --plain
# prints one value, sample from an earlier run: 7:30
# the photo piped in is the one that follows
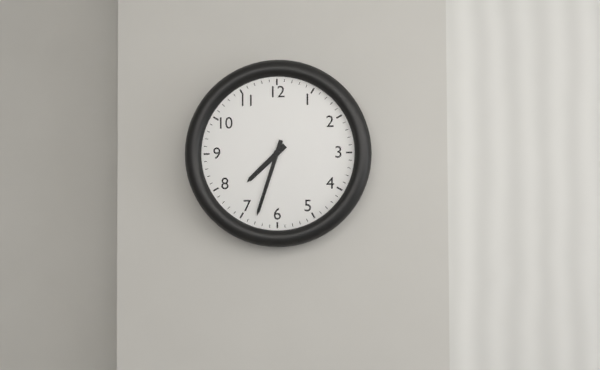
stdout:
7:33
